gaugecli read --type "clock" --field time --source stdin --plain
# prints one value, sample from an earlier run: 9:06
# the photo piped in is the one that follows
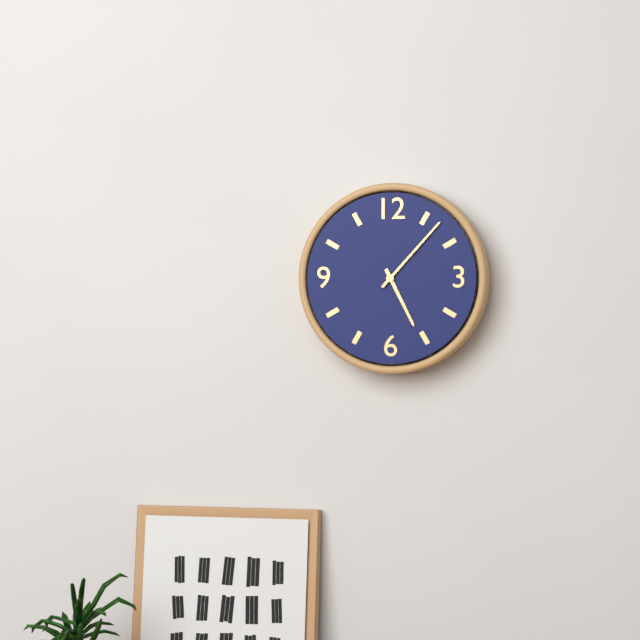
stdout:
5:07
